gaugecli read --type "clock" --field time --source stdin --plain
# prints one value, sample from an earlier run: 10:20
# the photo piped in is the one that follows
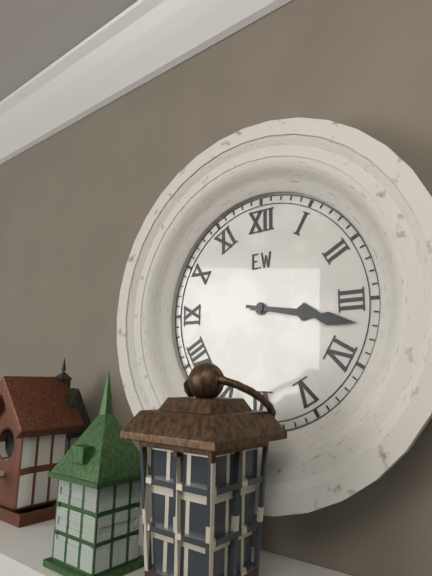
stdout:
3:17
